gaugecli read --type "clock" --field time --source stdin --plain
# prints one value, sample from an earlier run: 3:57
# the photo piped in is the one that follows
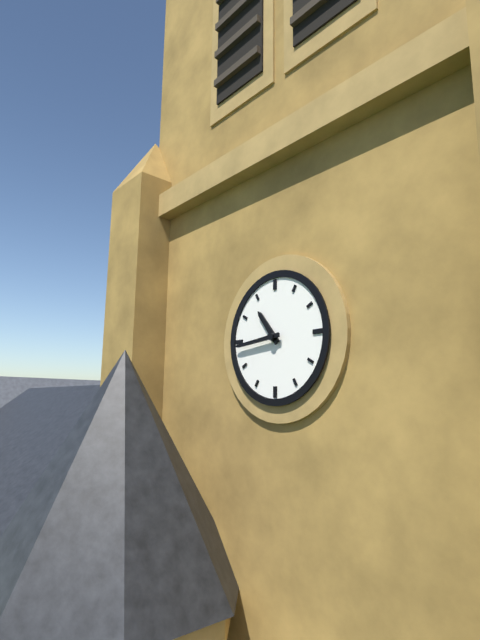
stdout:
10:44
